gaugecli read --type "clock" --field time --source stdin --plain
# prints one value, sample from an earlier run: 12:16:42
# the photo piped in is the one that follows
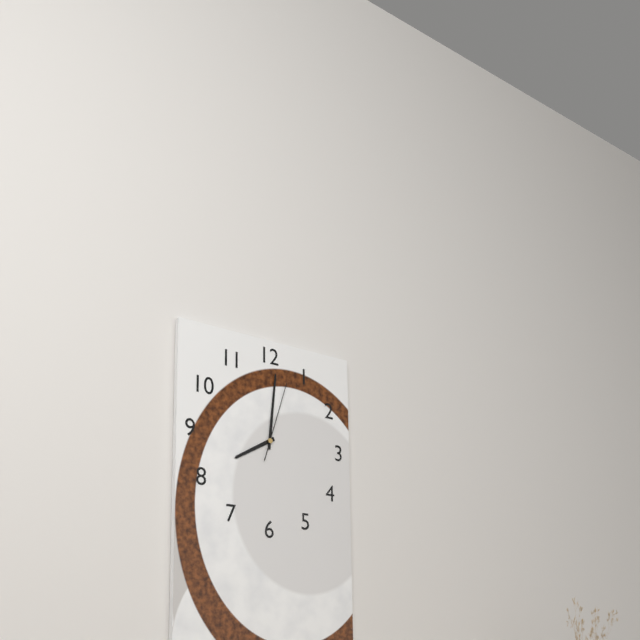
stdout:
8:01:03
